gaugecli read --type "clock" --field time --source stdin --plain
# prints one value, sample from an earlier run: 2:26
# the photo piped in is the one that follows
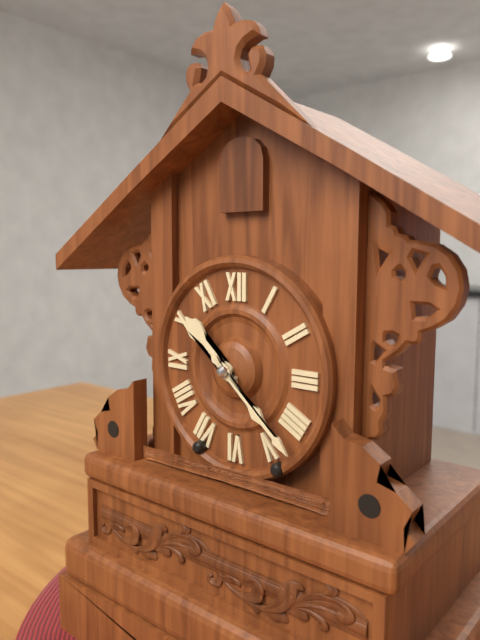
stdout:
10:22
